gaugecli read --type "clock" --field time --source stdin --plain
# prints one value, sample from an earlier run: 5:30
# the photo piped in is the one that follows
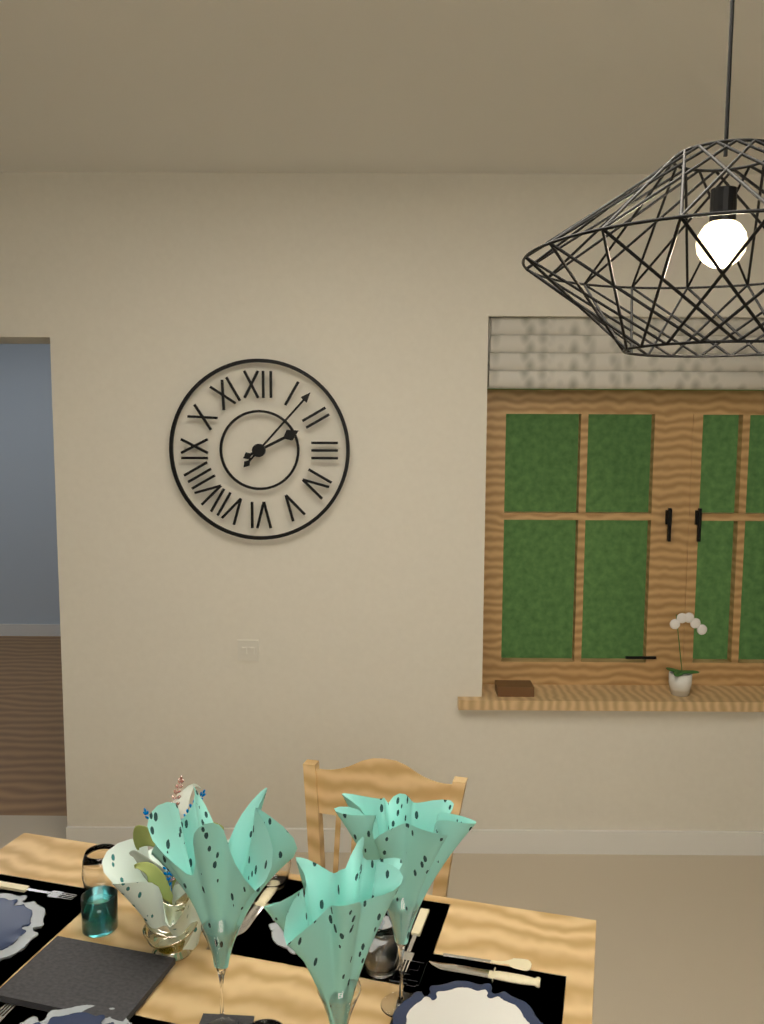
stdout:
2:07
